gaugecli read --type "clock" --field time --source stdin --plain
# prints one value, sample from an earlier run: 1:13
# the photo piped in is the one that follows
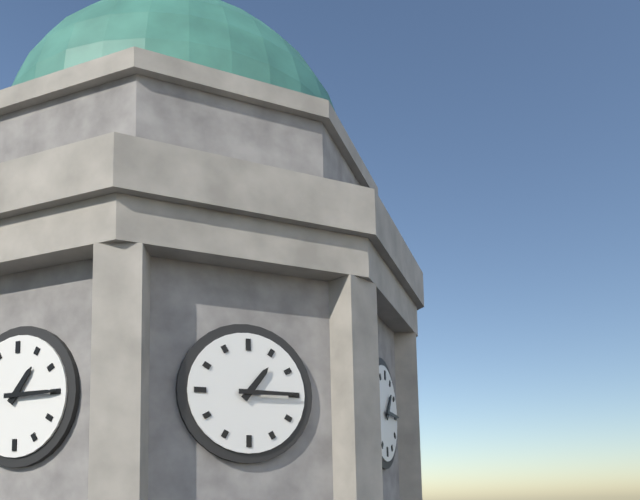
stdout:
1:15
